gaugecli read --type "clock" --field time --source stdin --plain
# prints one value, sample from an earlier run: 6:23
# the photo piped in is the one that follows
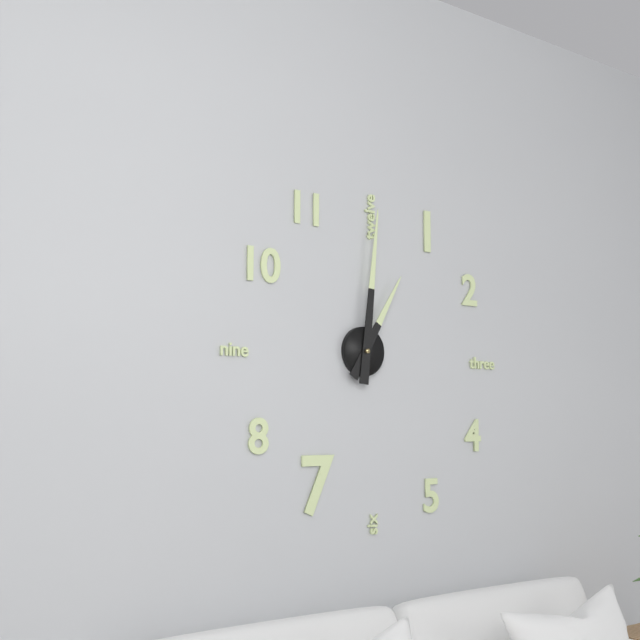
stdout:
1:01
